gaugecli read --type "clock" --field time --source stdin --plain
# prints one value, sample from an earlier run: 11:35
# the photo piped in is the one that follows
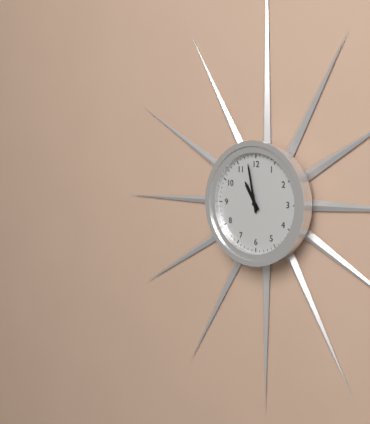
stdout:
10:58
